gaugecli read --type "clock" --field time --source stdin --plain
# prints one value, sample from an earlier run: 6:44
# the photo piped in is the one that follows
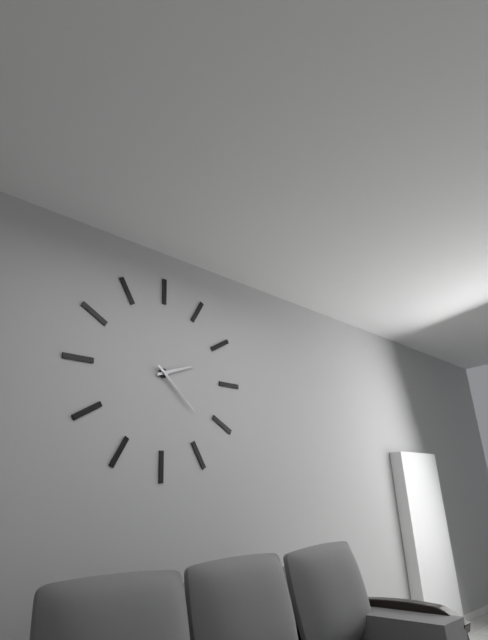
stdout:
2:22
